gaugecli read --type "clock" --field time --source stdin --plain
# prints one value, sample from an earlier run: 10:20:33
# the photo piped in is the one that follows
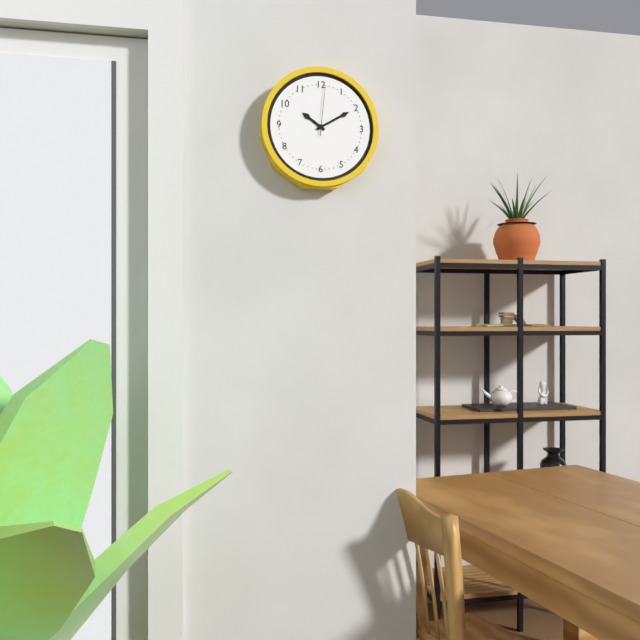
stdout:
10:10:01
